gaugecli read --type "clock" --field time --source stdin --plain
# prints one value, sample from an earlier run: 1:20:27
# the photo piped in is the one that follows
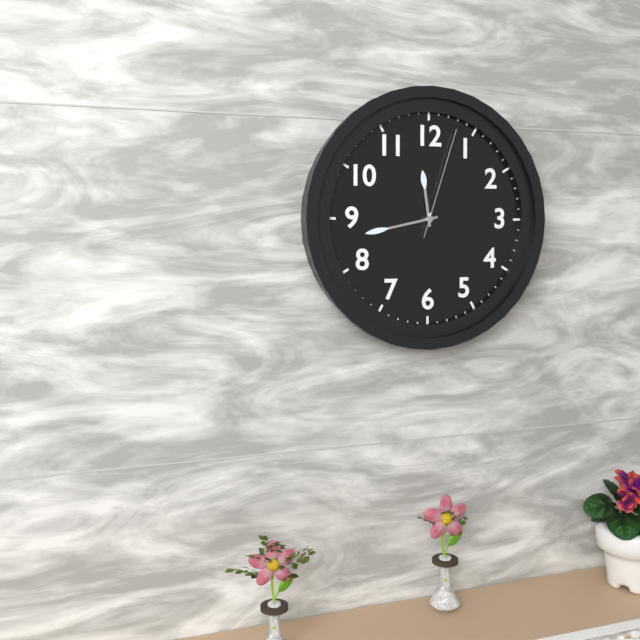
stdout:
11:43:03
